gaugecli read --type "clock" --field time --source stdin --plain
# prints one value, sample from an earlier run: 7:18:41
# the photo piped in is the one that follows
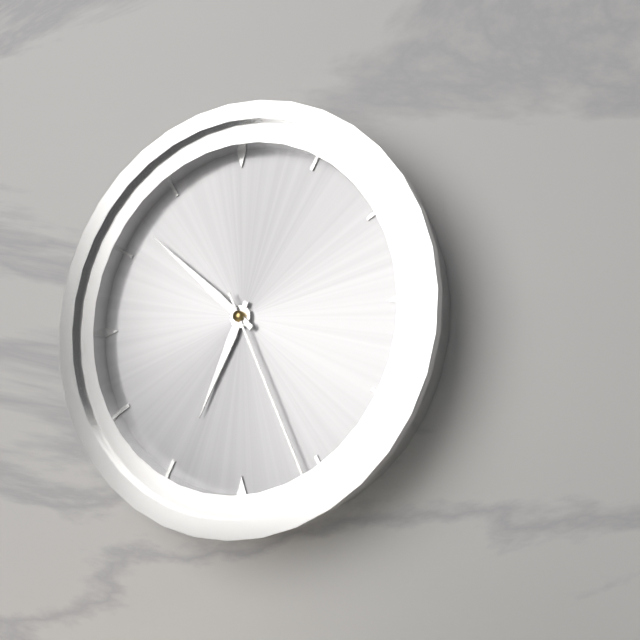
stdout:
6:52:26
